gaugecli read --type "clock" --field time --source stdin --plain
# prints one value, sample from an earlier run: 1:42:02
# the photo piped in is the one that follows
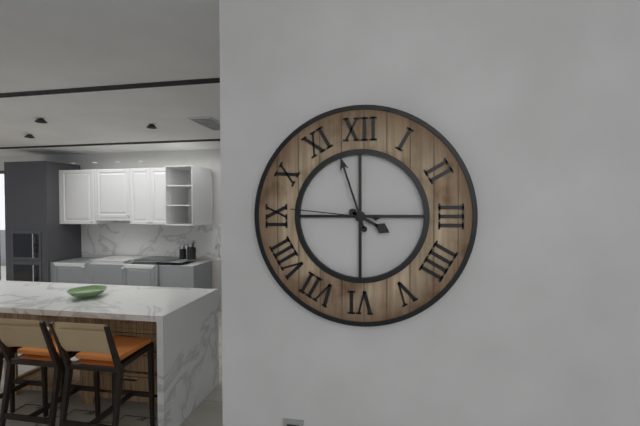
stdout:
3:57:46
